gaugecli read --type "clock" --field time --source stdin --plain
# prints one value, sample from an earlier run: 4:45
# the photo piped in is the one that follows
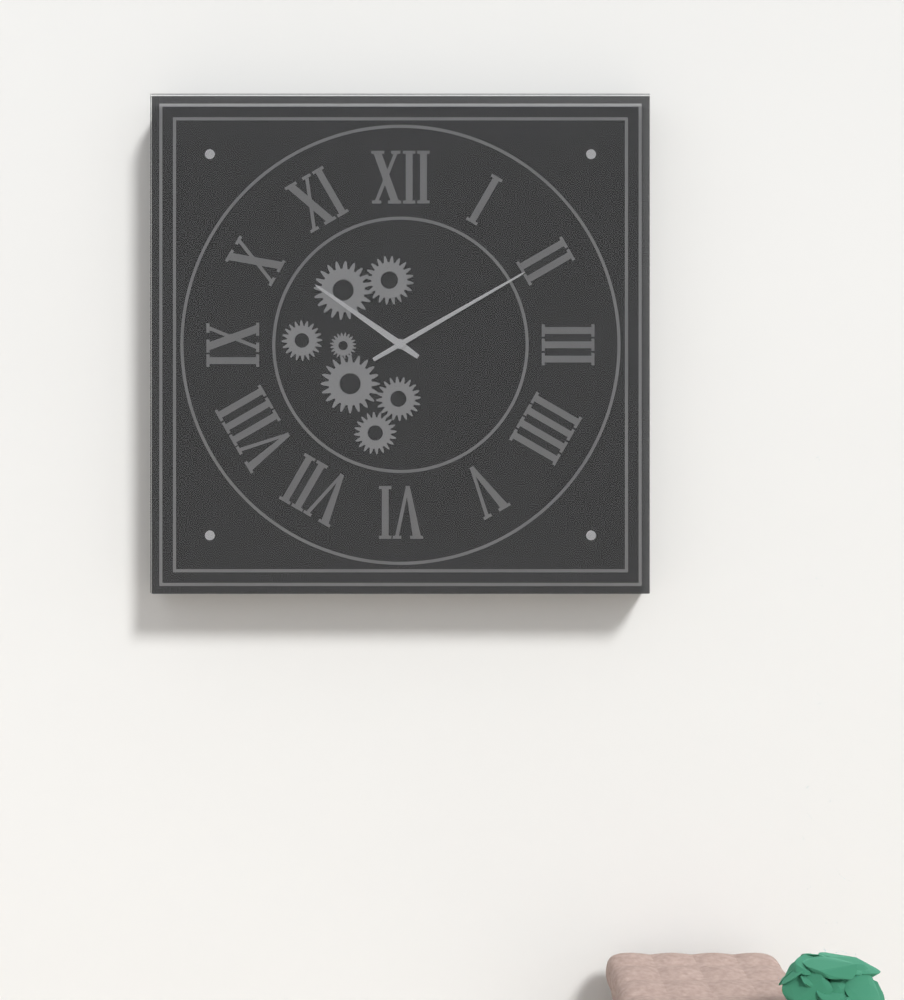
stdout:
10:10
